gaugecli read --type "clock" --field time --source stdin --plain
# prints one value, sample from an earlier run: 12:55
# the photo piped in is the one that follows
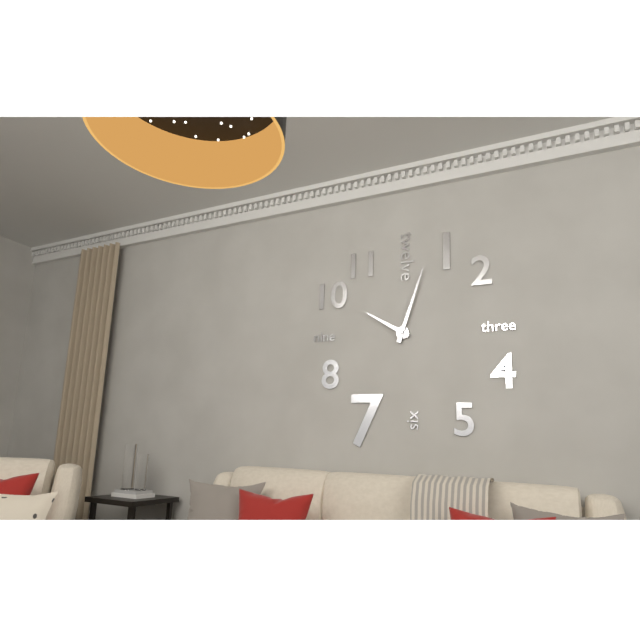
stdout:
10:03
